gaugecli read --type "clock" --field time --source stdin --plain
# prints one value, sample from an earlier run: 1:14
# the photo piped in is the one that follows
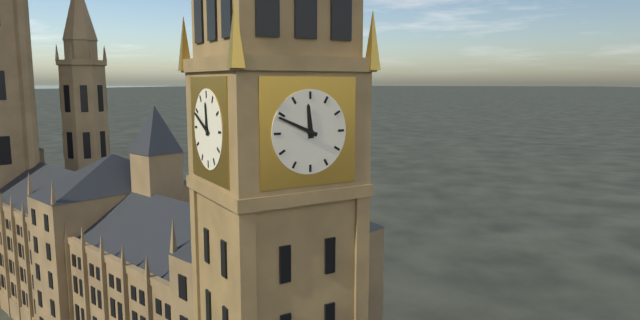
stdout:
11:49
